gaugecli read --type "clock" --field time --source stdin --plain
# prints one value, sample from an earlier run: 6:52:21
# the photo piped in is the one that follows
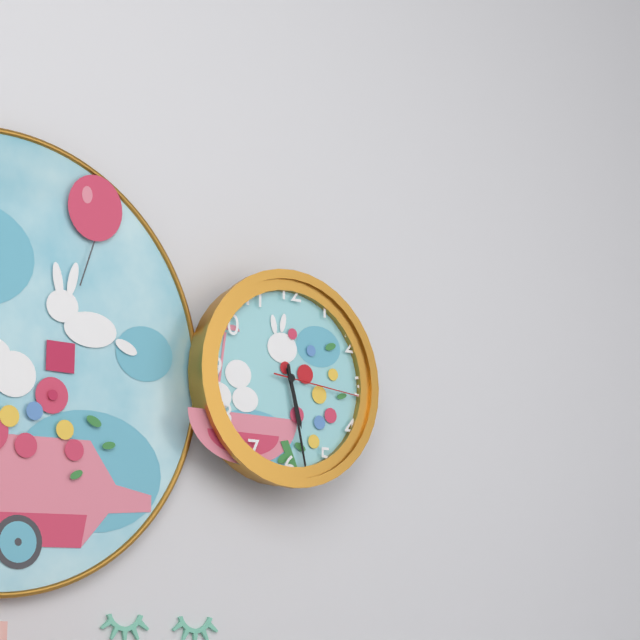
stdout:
5:28:16
